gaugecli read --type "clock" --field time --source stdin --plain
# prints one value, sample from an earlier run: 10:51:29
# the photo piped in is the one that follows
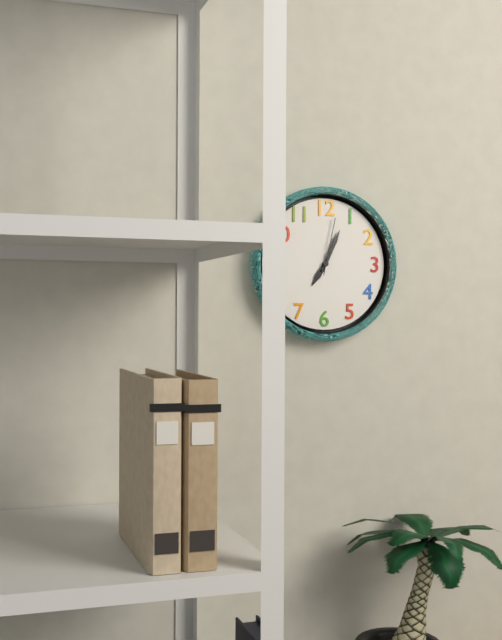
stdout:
7:04:02
